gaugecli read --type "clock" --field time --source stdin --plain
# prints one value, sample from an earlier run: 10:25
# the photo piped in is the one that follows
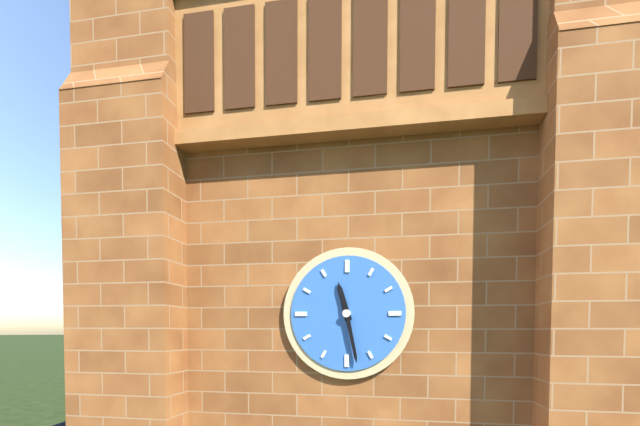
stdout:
11:28
